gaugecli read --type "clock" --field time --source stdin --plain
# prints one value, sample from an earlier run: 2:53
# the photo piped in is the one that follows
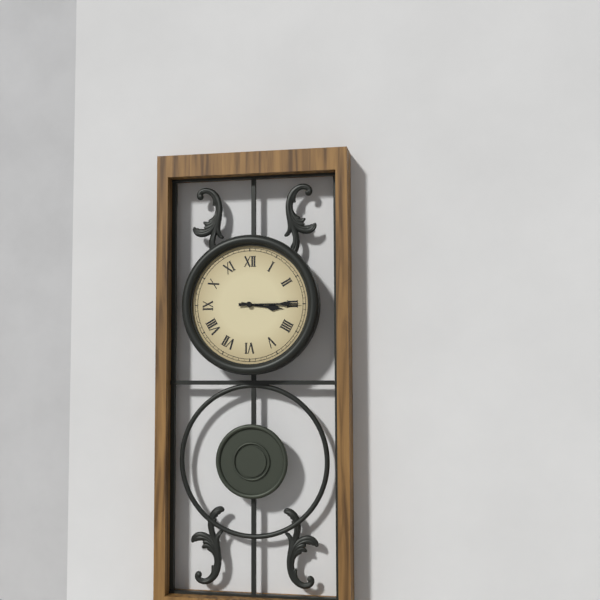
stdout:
3:15
